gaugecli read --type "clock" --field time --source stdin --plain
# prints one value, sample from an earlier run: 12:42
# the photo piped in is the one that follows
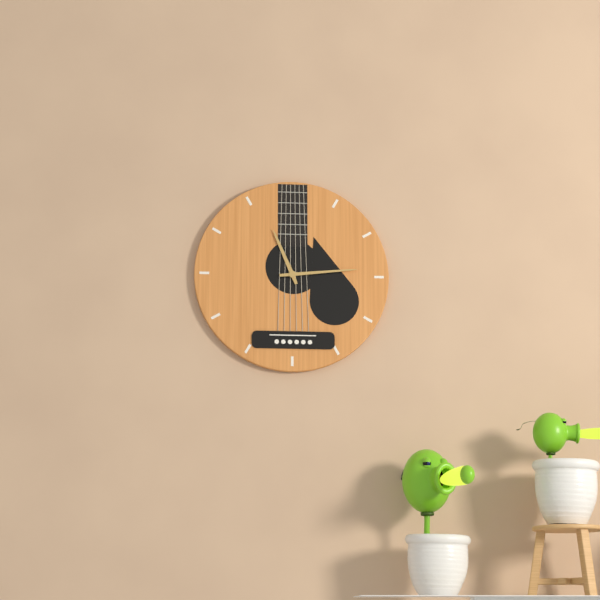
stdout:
11:14
